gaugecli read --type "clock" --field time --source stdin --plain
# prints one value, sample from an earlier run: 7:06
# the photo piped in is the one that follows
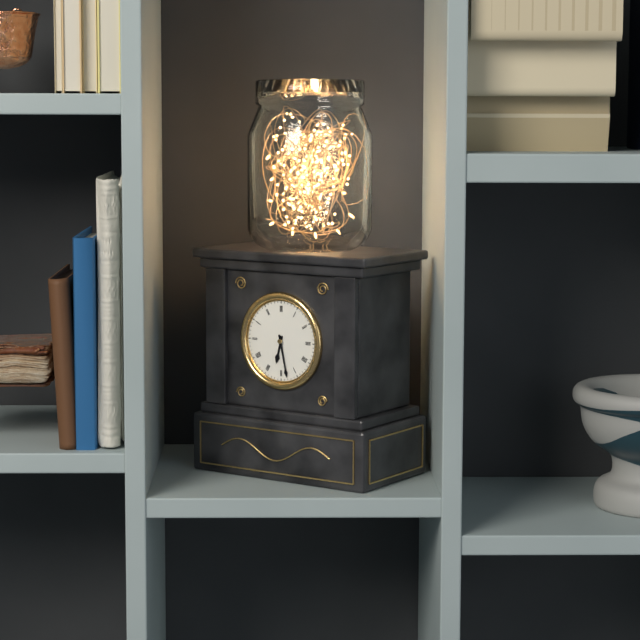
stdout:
6:28
